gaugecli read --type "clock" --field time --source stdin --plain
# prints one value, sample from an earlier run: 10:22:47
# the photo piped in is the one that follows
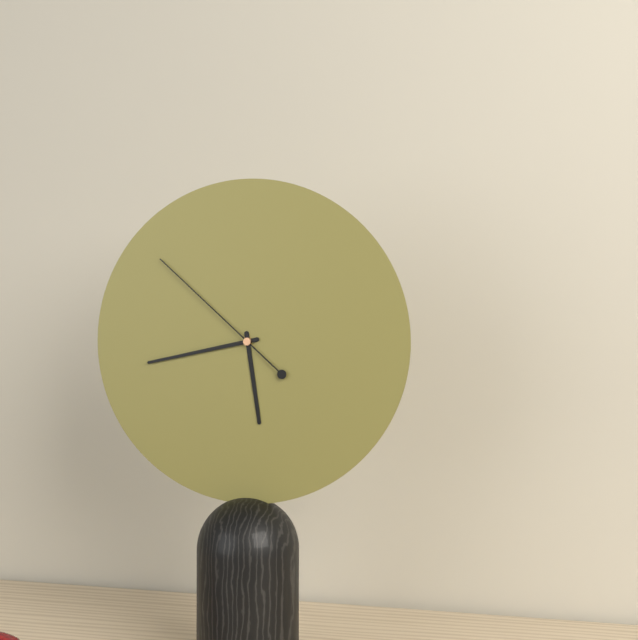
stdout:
5:43:52
